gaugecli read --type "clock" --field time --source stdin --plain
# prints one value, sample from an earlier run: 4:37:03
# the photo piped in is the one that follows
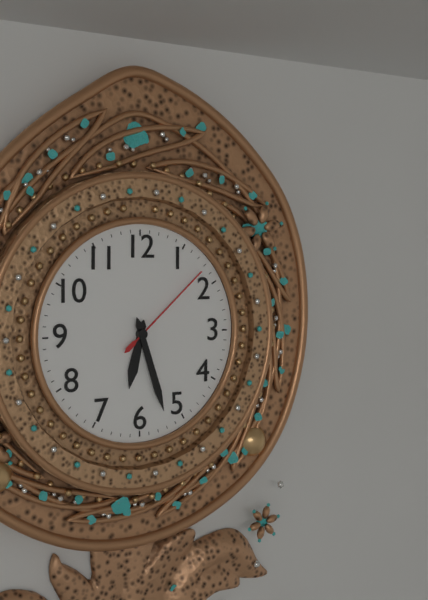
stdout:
6:27:08
